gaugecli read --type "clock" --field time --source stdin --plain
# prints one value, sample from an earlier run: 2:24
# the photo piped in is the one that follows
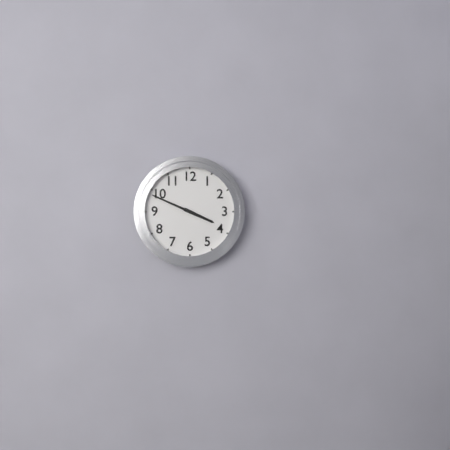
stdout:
3:49
